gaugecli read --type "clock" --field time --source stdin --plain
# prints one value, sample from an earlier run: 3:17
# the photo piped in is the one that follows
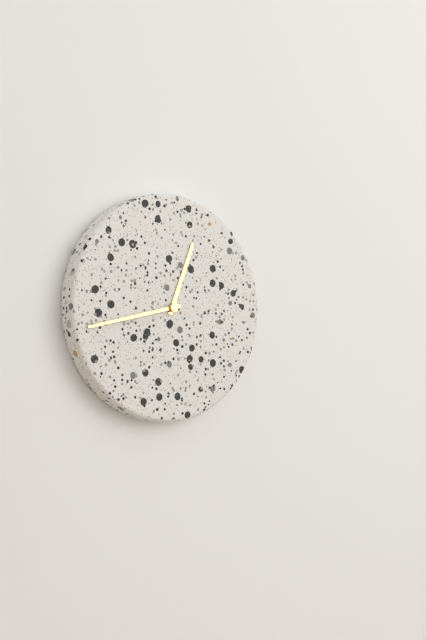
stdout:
12:43
